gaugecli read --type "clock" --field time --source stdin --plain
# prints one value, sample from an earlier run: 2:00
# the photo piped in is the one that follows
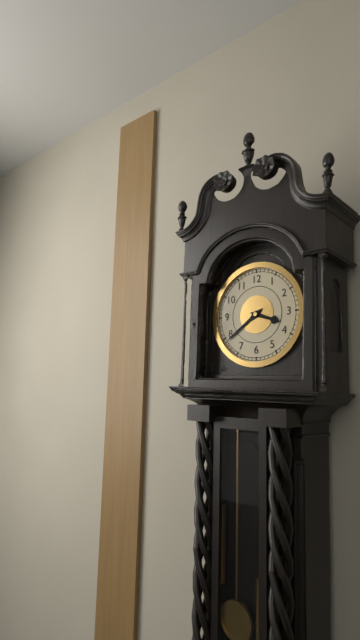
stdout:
3:39
